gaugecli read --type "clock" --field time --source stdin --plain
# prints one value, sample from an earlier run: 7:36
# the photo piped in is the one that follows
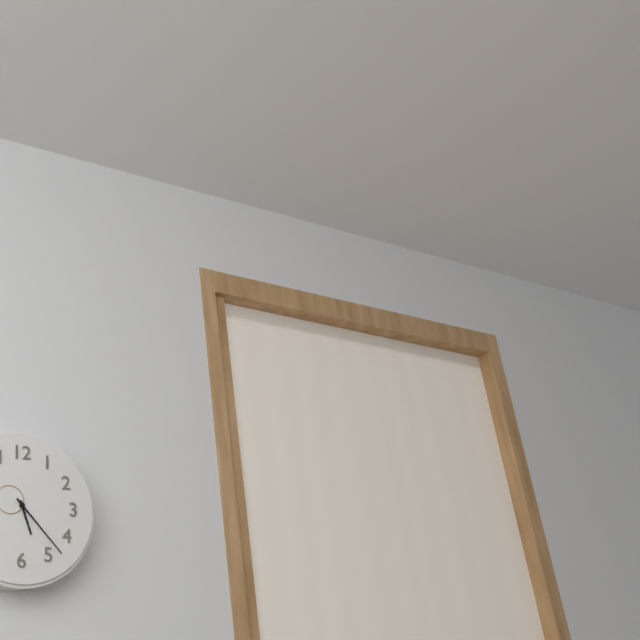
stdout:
5:23
